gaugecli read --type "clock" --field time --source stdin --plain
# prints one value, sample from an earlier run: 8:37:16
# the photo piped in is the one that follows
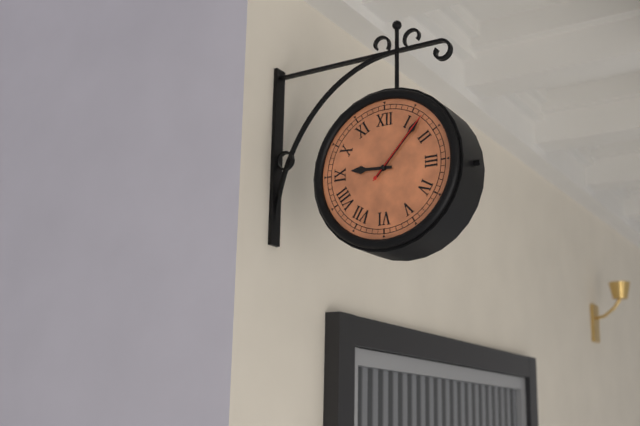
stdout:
9:07:07
